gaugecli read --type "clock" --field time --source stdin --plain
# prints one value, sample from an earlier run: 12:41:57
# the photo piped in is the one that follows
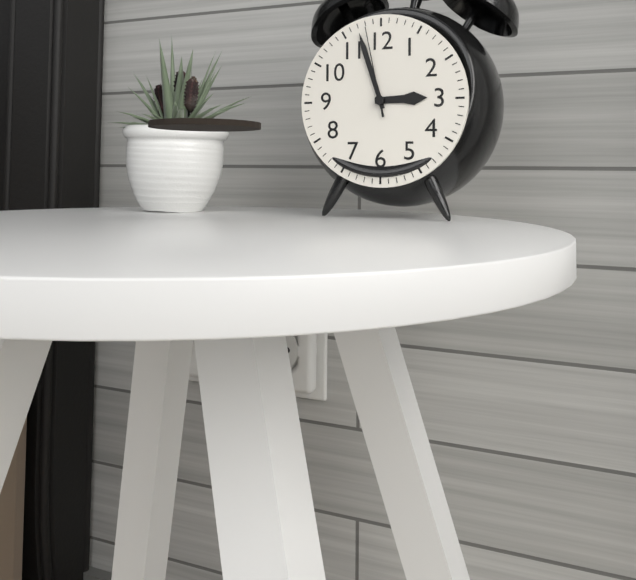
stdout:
2:57:58
